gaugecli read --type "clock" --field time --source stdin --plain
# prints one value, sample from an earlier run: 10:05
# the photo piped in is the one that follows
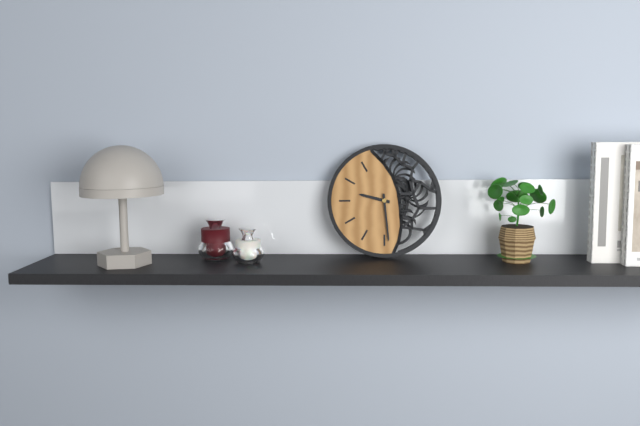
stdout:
9:29
